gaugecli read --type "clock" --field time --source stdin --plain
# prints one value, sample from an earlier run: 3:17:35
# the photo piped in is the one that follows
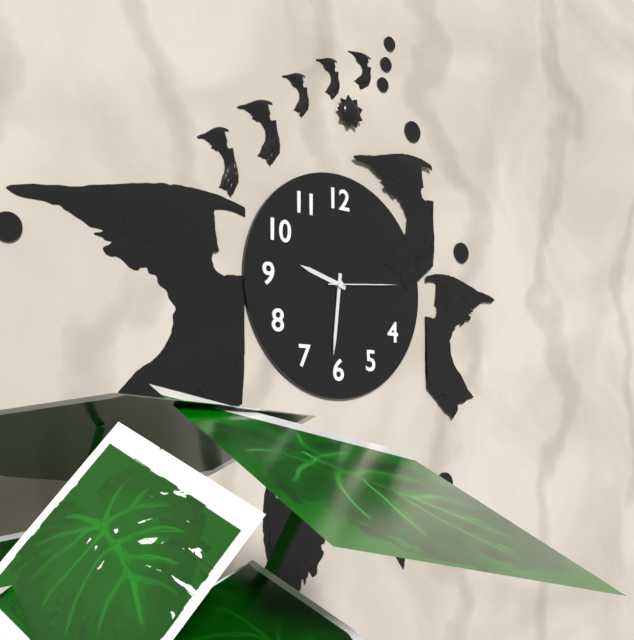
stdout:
9:31:14
